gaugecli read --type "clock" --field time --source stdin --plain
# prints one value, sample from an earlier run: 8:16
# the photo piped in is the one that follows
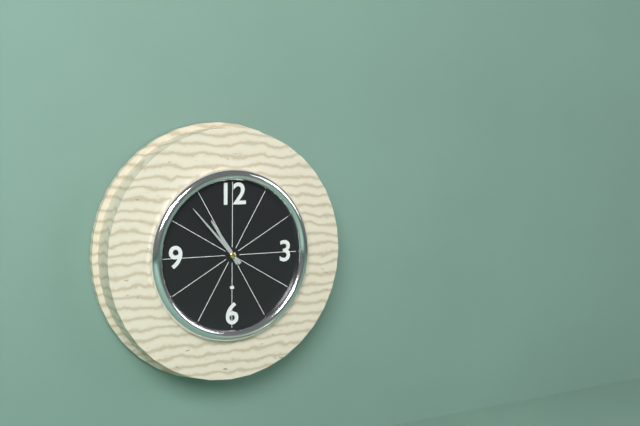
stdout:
10:53
